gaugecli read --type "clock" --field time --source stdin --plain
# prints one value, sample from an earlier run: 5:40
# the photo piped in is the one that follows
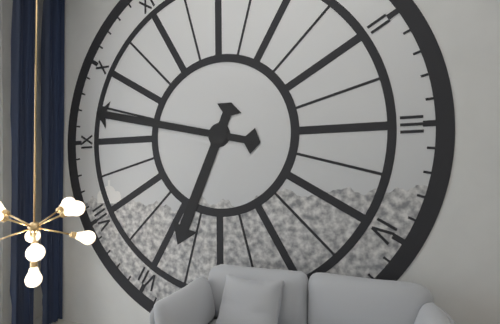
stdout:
6:47
